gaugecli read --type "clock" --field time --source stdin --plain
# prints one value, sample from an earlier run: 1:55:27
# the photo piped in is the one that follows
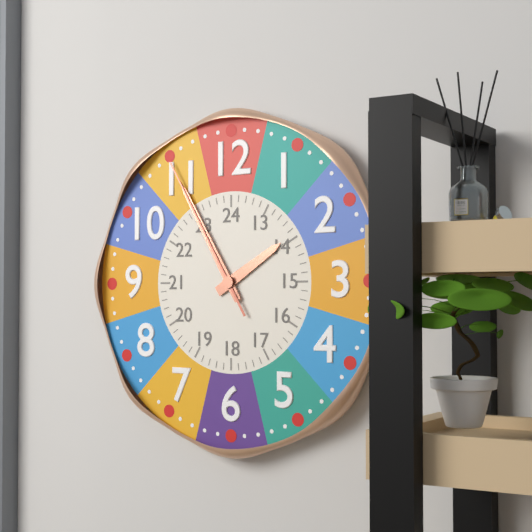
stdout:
1:55:55
